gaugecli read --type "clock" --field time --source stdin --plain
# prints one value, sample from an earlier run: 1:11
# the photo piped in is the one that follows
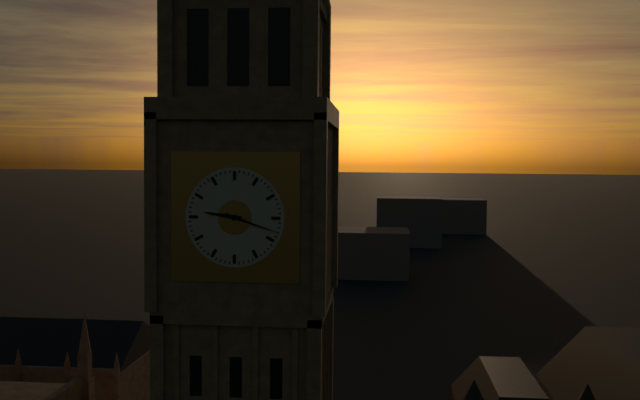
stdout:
9:18
